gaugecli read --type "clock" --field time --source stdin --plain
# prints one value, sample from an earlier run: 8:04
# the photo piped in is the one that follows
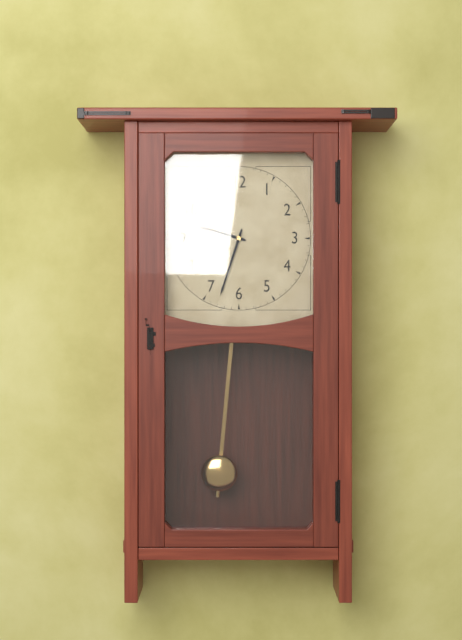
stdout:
9:33
